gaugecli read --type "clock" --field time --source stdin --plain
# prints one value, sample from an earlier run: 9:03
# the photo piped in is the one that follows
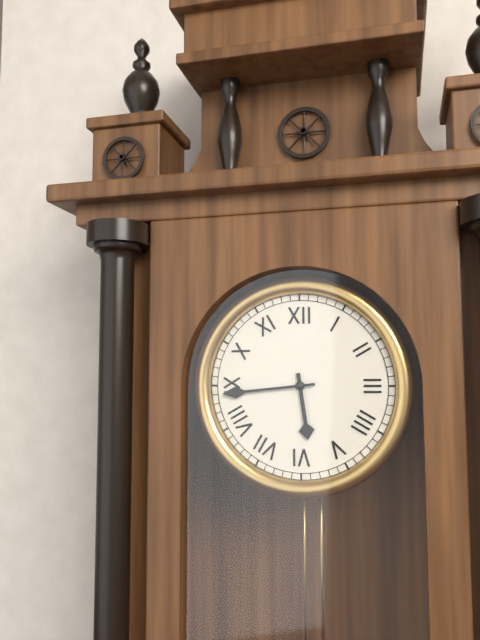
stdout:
5:44
